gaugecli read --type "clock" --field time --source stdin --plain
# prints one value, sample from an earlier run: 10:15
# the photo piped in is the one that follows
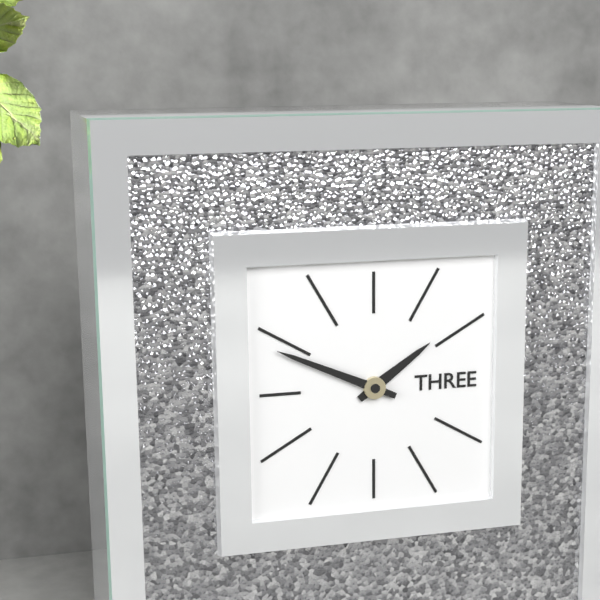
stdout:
1:49
